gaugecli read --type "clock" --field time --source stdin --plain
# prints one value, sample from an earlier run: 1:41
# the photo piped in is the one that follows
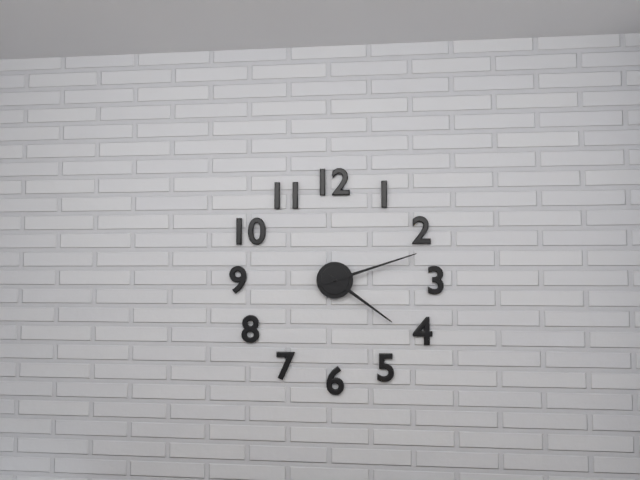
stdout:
4:12
